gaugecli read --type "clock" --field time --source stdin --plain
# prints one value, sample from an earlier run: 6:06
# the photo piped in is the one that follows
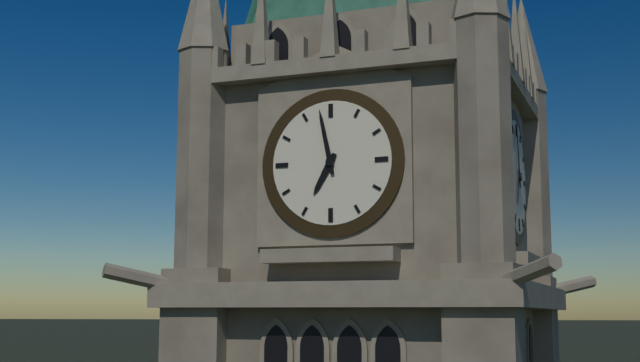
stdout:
6:58
